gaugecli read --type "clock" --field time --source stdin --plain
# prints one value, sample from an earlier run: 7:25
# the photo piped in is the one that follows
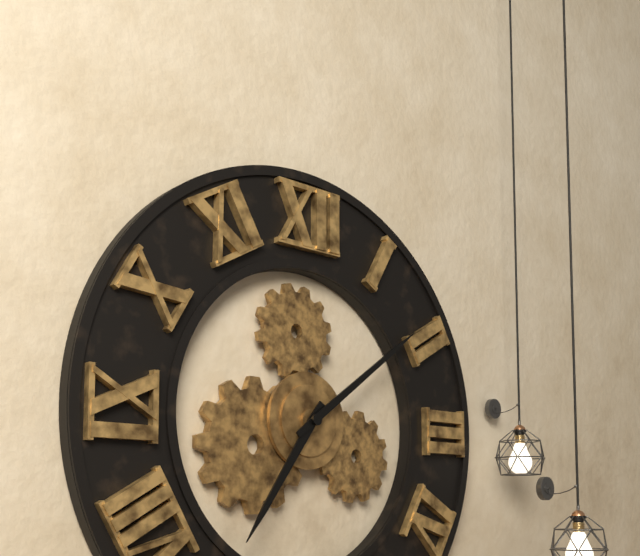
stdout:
7:09
